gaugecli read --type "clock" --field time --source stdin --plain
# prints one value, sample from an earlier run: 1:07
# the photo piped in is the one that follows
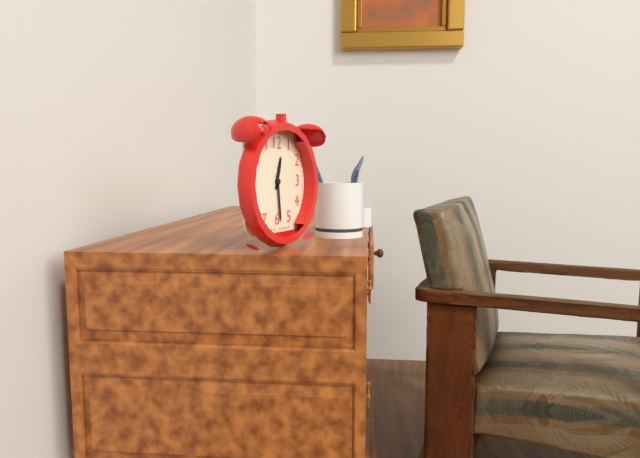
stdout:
12:29
